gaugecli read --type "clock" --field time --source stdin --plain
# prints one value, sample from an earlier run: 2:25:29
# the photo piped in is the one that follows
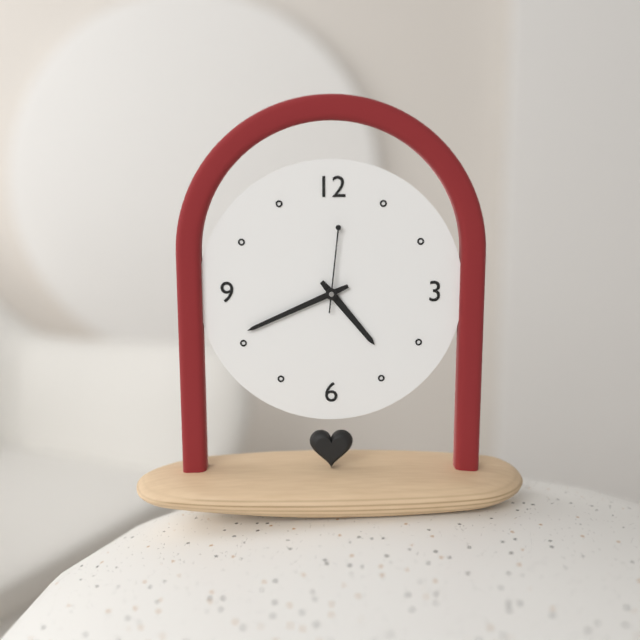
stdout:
4:41:01
